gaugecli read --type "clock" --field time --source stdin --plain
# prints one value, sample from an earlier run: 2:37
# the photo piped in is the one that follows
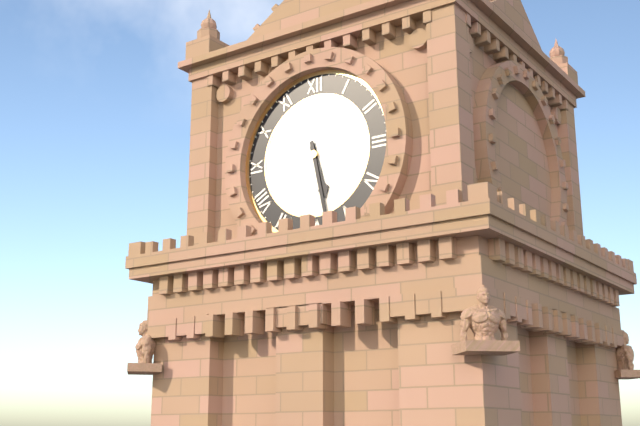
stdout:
5:28
